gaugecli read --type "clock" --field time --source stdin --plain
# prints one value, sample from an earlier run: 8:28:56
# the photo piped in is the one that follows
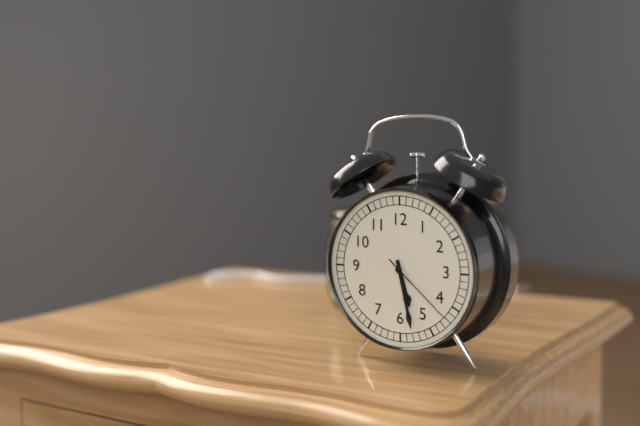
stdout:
5:28:22
